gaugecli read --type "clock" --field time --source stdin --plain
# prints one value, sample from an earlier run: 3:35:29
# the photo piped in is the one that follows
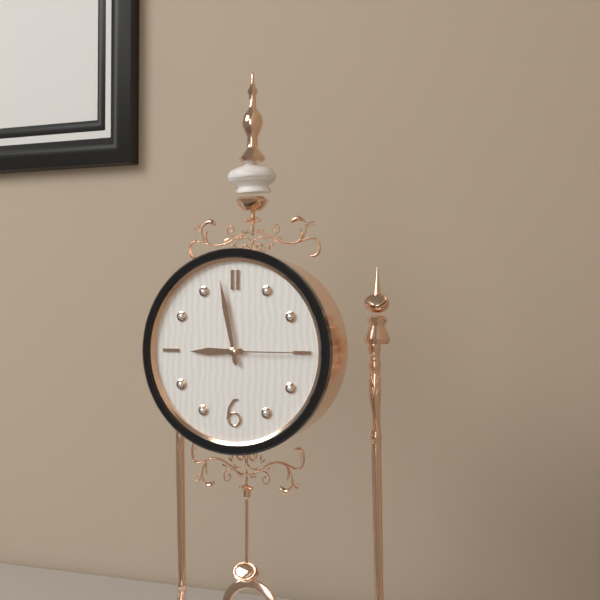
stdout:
8:58:15
